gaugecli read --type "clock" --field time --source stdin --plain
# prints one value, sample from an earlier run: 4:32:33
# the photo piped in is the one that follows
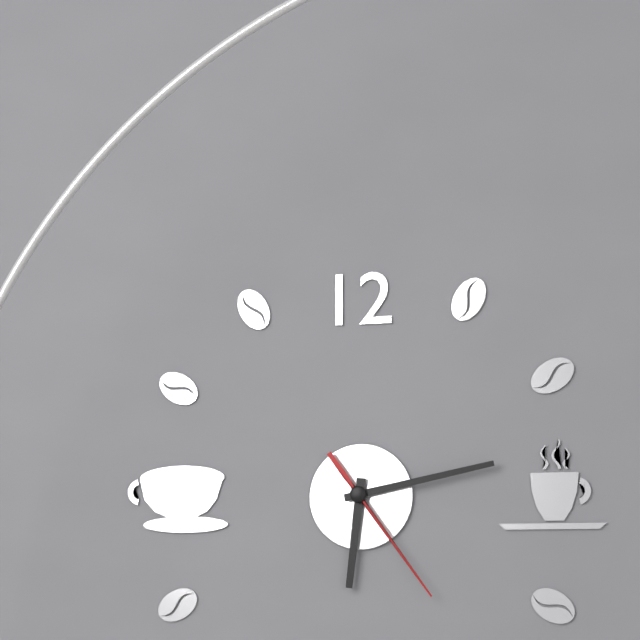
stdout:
6:13:24
